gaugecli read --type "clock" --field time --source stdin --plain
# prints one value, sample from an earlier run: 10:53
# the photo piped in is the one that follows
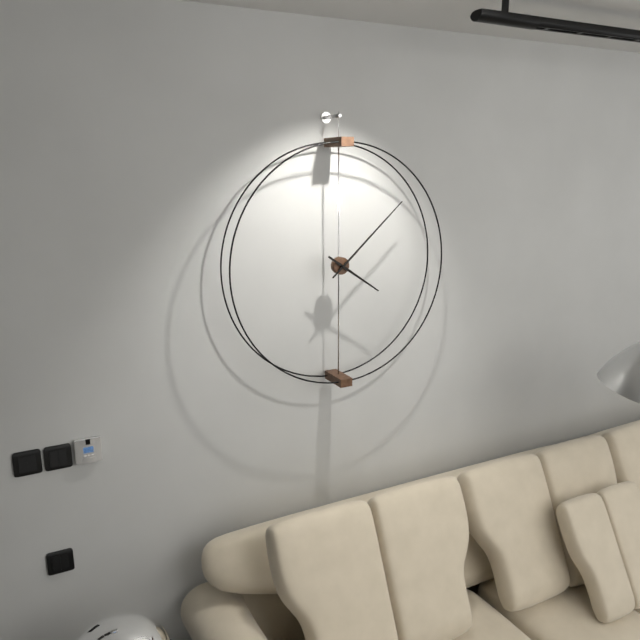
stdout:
4:08
